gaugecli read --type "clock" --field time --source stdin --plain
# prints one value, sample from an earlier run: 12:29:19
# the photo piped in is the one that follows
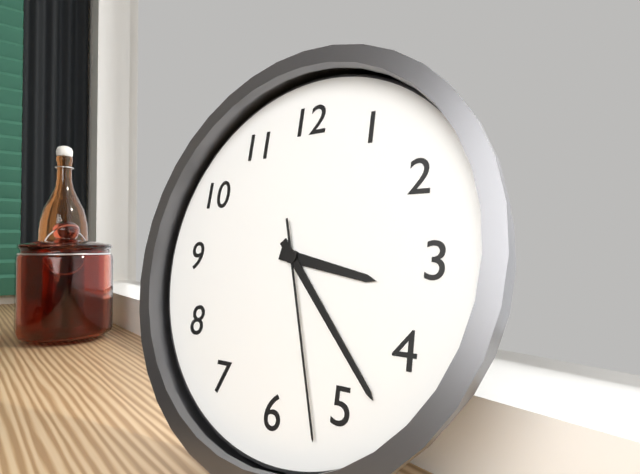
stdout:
3:23:27
